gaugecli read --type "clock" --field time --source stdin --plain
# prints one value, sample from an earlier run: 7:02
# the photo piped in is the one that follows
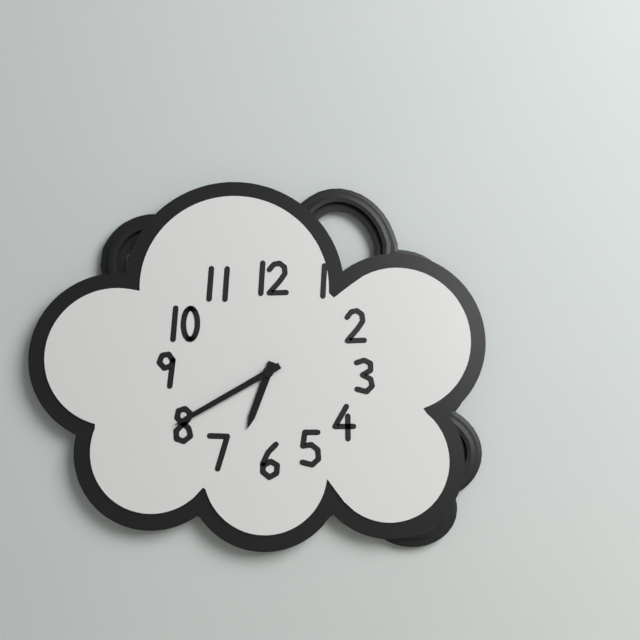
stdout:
6:40
